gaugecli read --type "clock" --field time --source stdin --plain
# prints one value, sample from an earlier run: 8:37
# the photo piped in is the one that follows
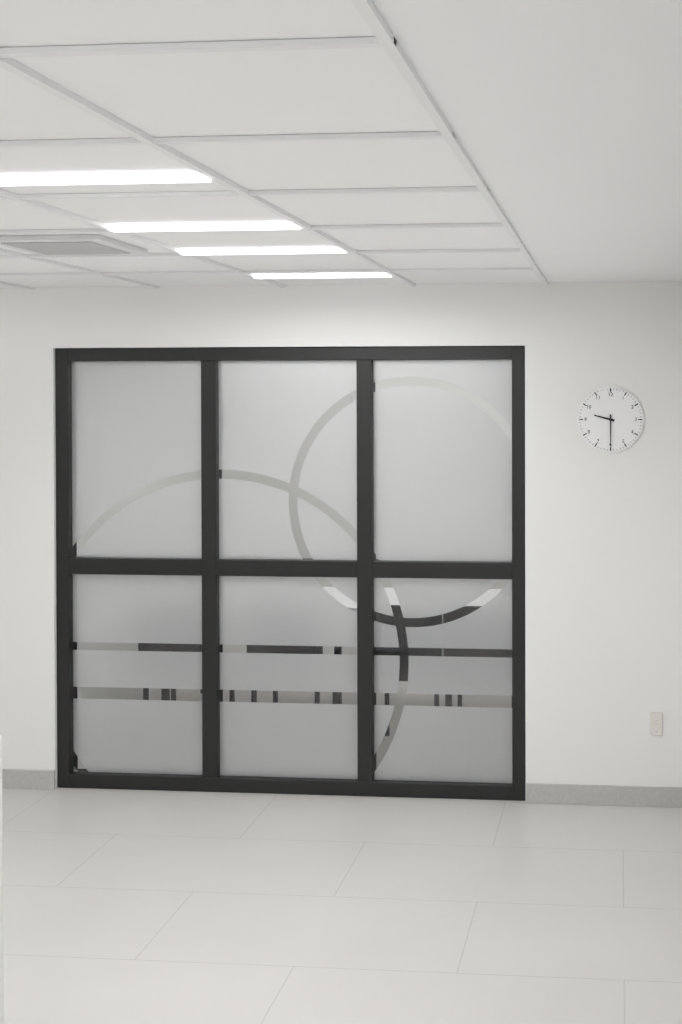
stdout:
9:30
